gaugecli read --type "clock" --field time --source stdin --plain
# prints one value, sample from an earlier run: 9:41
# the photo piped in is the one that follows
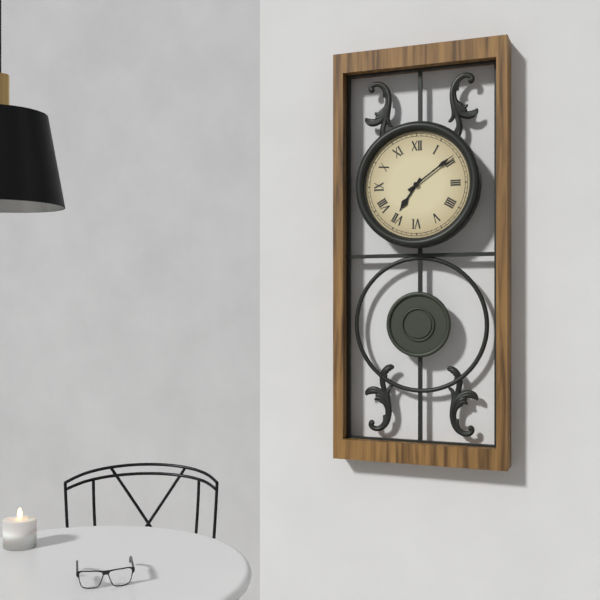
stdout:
7:09
